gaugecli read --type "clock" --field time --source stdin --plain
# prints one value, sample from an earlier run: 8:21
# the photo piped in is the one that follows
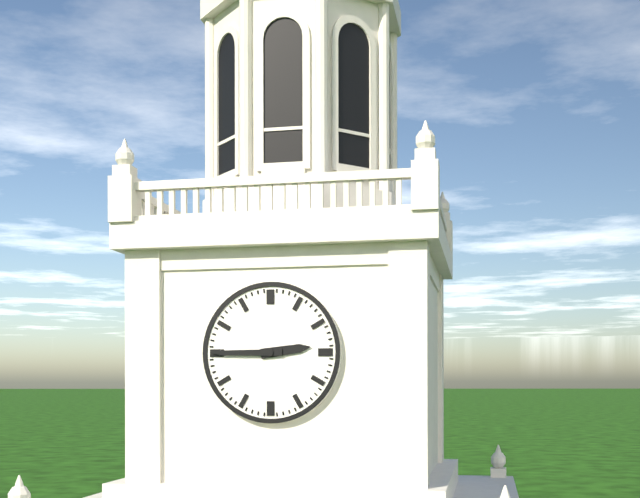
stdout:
2:45
